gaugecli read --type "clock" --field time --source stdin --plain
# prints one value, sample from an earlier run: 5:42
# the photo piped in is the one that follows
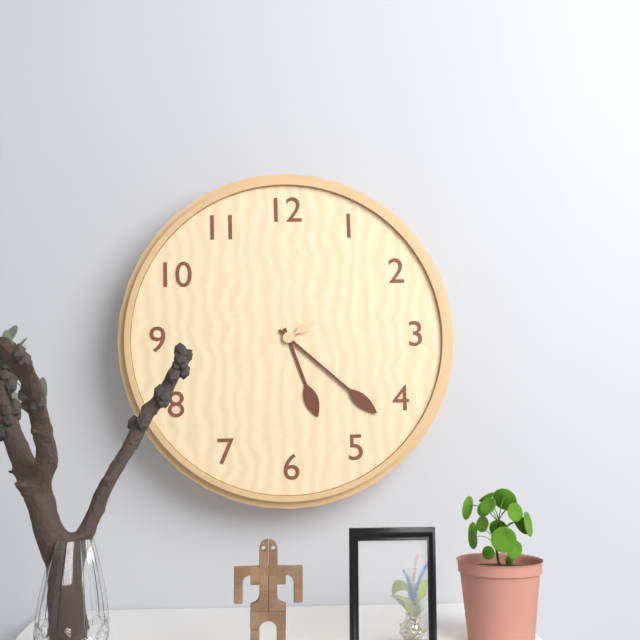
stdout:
5:22
